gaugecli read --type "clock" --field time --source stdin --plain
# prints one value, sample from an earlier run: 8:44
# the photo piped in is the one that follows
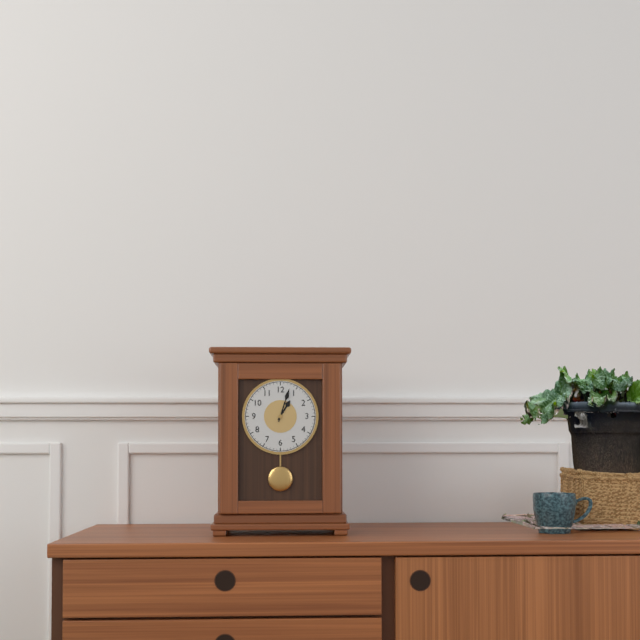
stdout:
1:03
